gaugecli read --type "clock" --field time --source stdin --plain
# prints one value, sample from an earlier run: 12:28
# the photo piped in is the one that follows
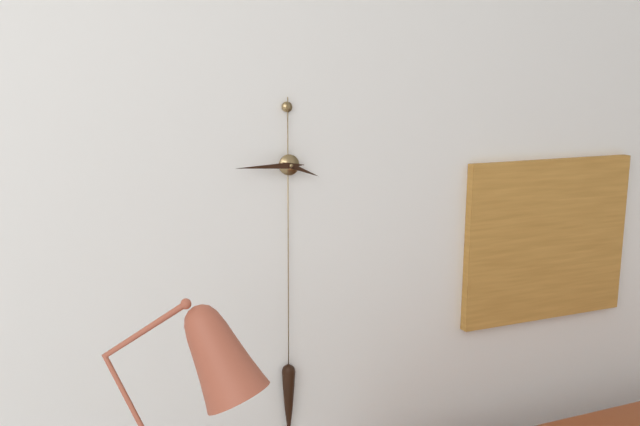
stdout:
3:45
